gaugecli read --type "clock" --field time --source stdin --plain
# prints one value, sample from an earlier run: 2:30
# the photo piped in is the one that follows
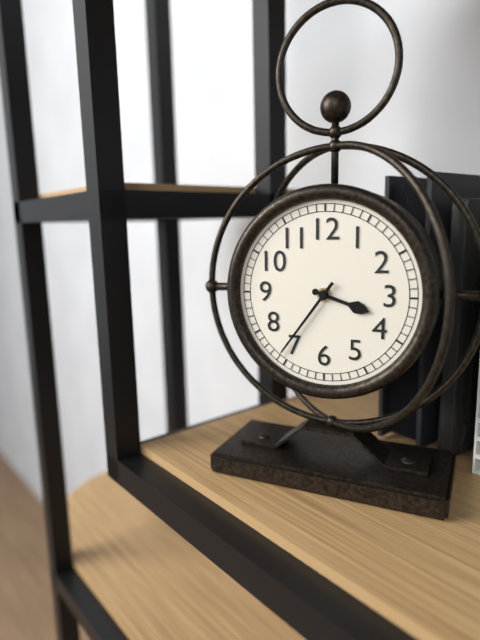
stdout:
3:36
